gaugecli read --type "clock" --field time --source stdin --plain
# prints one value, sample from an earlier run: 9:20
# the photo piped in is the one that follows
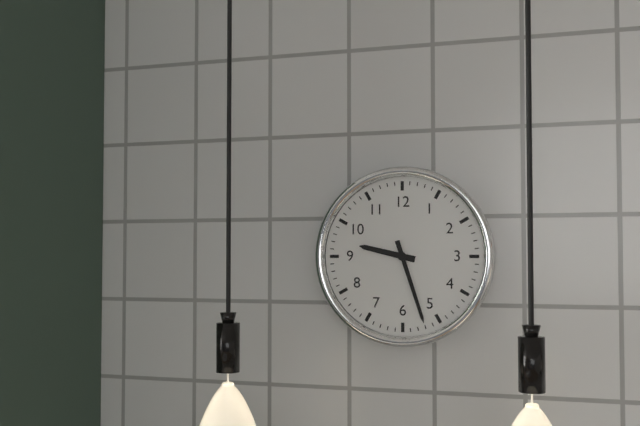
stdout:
9:27
